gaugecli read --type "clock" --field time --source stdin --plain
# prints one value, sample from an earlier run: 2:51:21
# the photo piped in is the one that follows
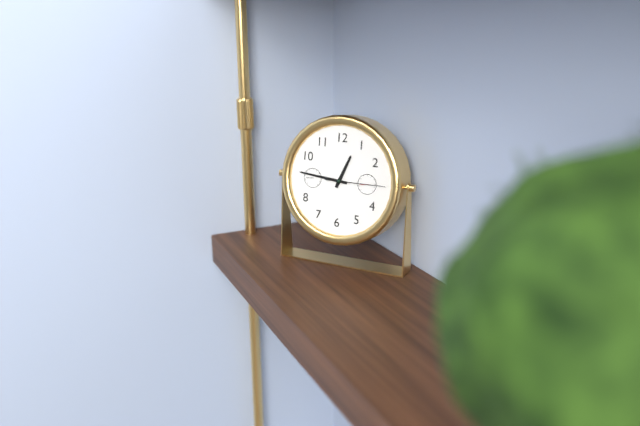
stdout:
12:46:15
